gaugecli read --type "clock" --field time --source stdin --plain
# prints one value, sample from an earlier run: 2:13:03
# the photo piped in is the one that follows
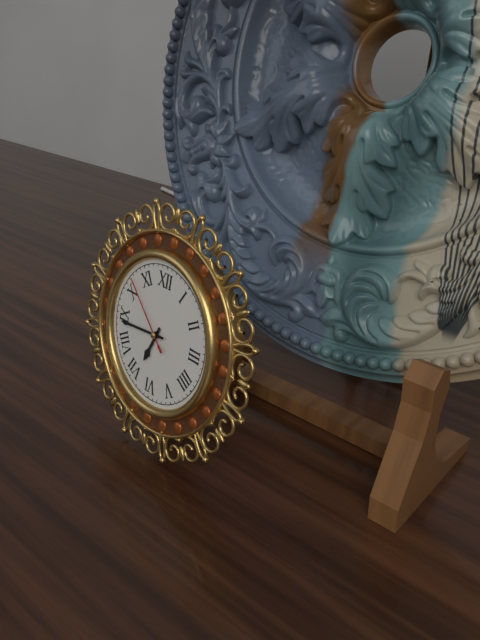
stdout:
6:44:52
